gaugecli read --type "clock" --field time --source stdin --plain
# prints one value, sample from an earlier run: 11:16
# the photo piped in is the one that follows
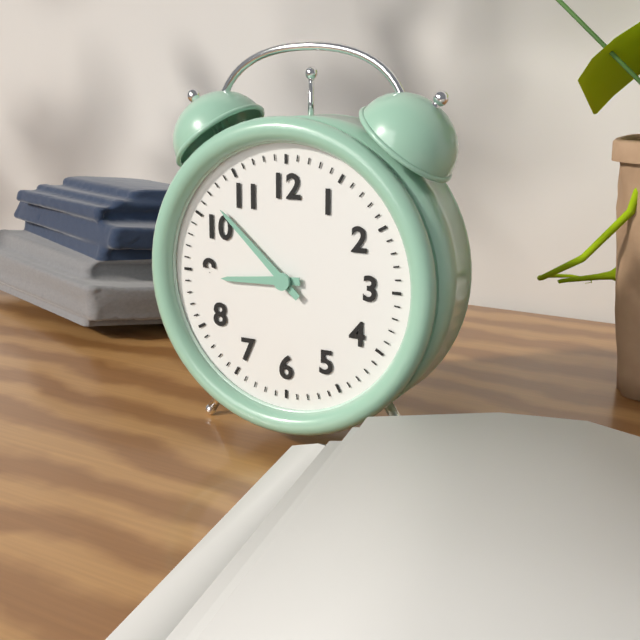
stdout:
8:52
